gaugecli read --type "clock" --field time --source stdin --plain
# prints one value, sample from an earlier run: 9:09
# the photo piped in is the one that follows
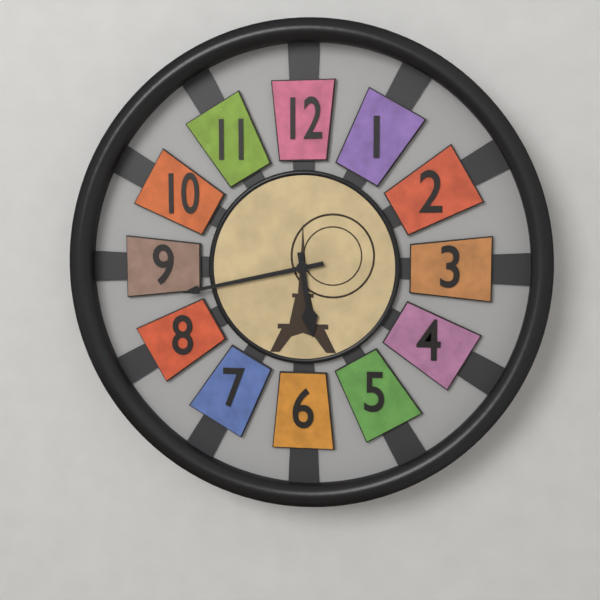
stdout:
5:43
